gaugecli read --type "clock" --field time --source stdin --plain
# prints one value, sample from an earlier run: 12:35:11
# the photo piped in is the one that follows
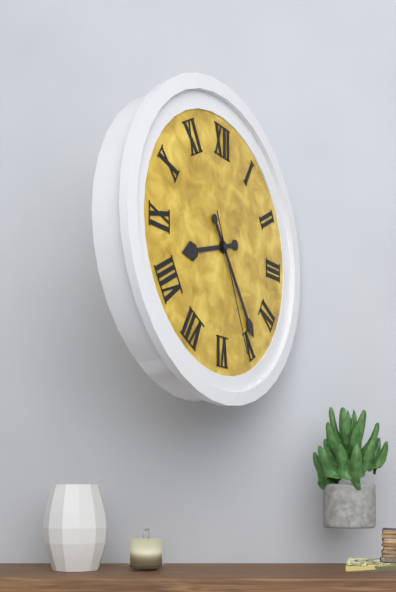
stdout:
8:24:26
